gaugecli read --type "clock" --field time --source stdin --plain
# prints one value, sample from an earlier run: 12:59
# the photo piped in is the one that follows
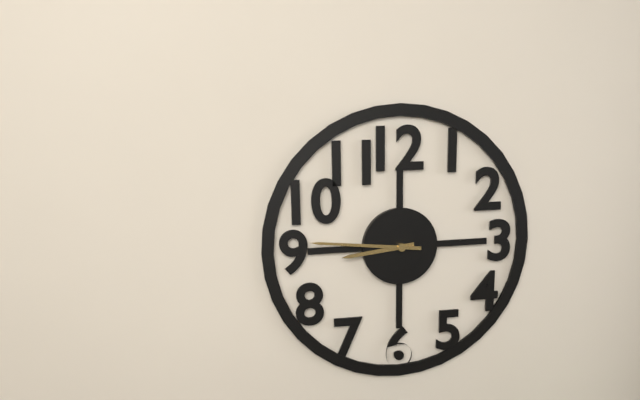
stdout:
8:46
